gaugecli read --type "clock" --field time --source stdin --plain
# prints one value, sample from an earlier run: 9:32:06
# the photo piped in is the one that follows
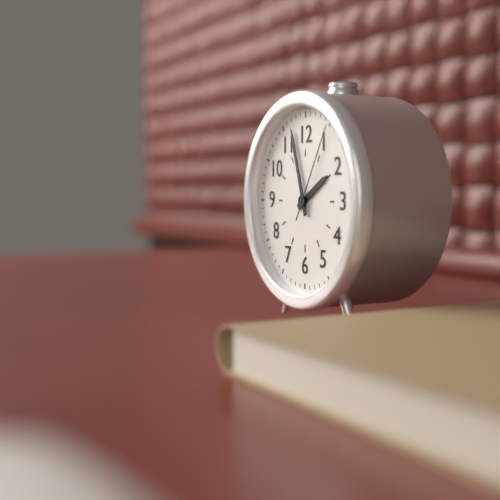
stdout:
1:57:05
